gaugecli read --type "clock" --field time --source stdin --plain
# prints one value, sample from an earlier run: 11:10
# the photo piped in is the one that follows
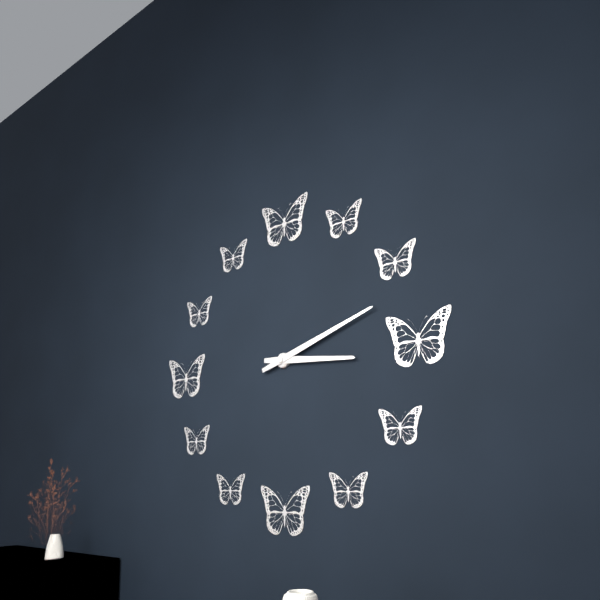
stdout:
3:12
